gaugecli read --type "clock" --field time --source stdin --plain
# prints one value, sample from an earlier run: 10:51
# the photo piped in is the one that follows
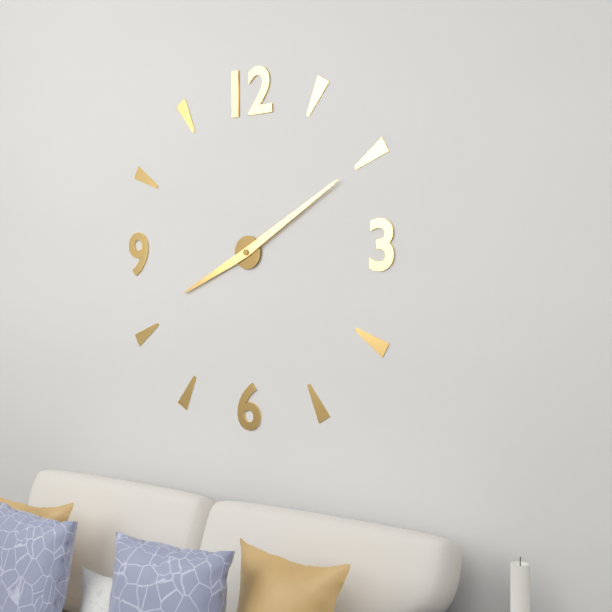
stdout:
8:10
